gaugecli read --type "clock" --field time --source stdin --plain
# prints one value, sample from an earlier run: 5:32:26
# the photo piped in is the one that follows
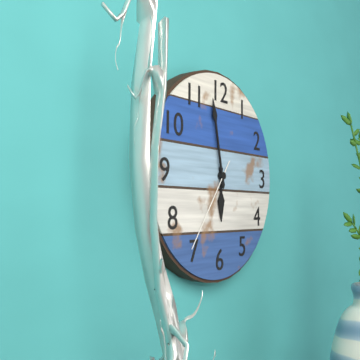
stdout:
5:58:36
